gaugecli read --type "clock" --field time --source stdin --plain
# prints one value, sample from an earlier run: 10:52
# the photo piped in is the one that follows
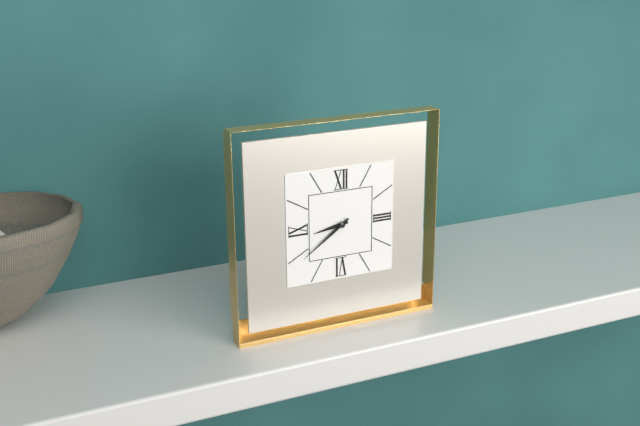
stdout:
8:39
